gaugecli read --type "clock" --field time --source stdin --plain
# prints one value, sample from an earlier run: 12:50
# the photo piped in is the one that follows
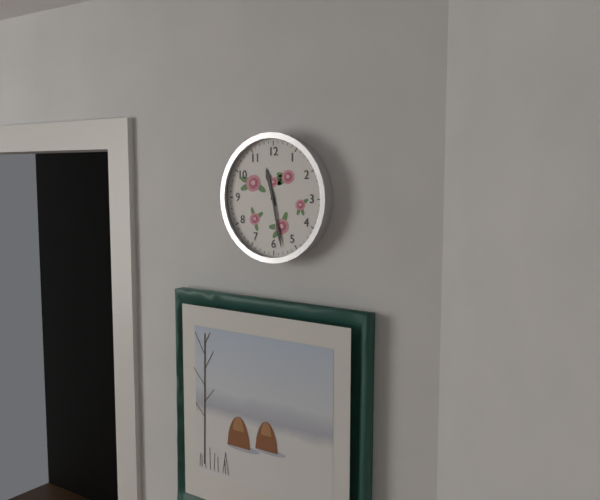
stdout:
11:28
